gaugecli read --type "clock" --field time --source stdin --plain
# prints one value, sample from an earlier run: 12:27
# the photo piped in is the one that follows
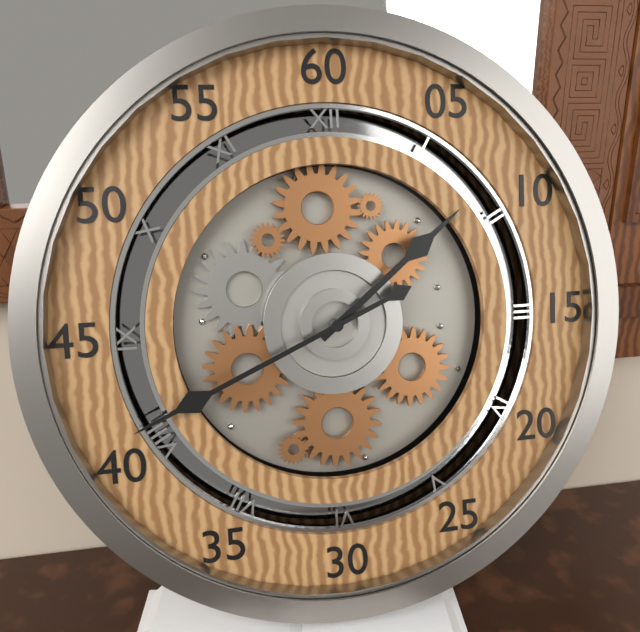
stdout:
1:41
